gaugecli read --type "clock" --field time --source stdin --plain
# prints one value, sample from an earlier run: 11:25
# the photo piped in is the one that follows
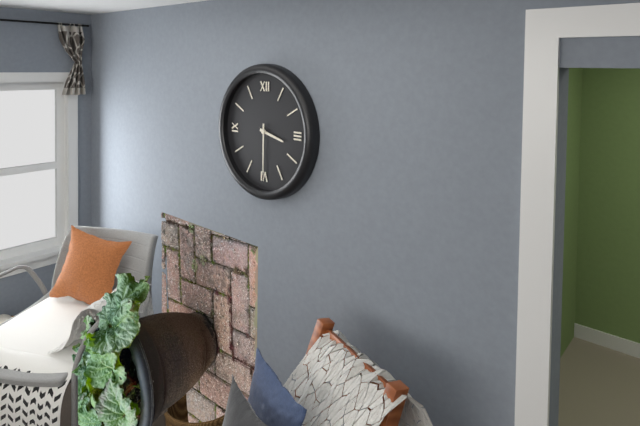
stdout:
3:30
